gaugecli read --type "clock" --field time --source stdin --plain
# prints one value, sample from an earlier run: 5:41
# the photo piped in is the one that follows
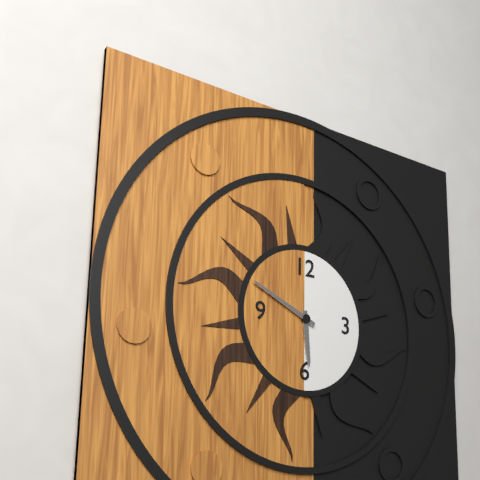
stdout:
5:49
